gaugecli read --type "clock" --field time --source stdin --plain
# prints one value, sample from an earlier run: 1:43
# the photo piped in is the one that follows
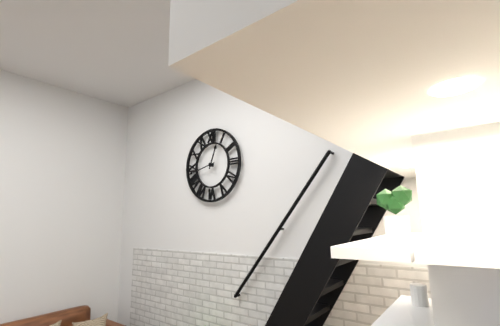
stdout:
12:43
